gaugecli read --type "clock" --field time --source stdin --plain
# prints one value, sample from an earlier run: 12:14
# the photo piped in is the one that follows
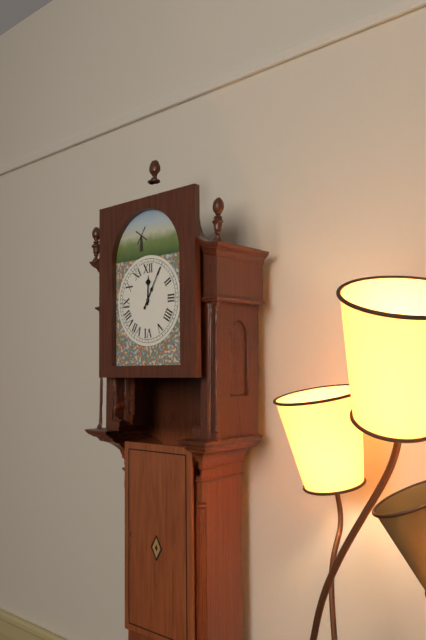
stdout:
12:05
